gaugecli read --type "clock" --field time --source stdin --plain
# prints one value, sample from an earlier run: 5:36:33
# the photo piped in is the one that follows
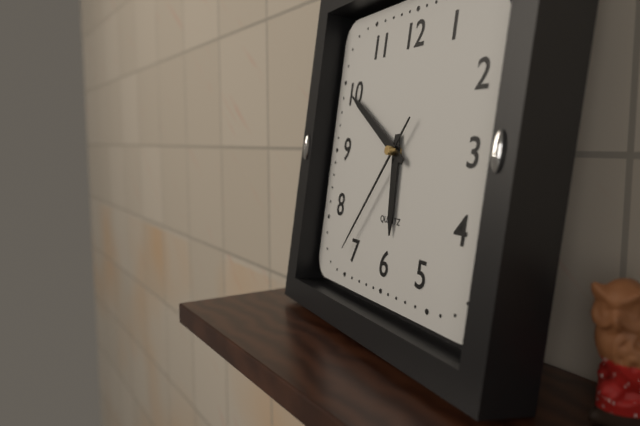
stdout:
5:50:36
